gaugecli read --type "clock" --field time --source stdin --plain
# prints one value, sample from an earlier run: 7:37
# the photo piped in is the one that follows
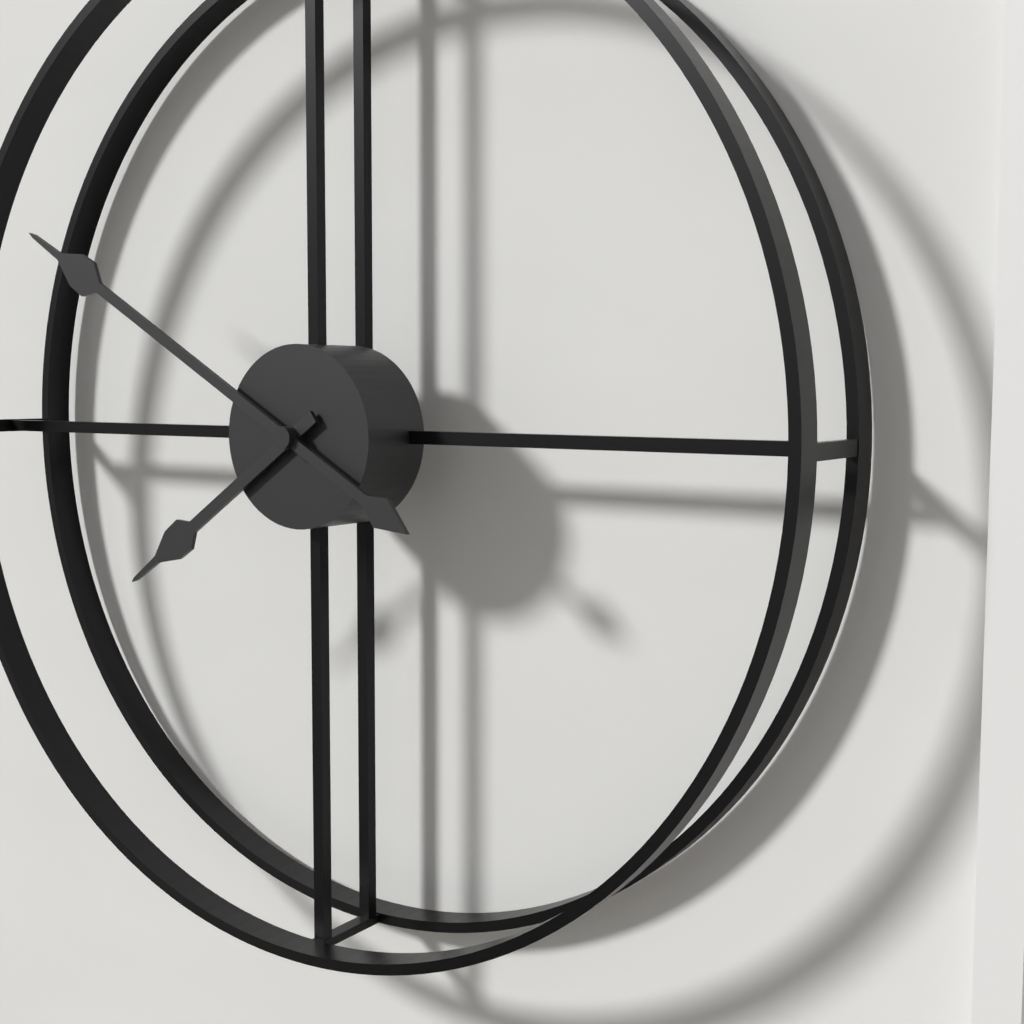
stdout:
7:50
